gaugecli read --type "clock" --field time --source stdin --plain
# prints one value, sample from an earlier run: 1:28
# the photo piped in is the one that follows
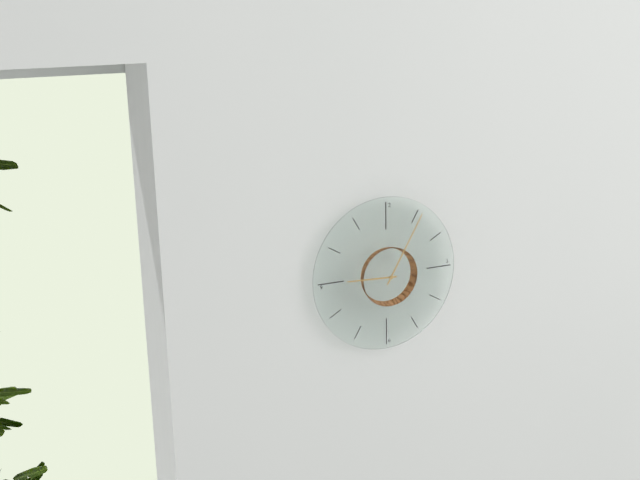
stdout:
9:05
